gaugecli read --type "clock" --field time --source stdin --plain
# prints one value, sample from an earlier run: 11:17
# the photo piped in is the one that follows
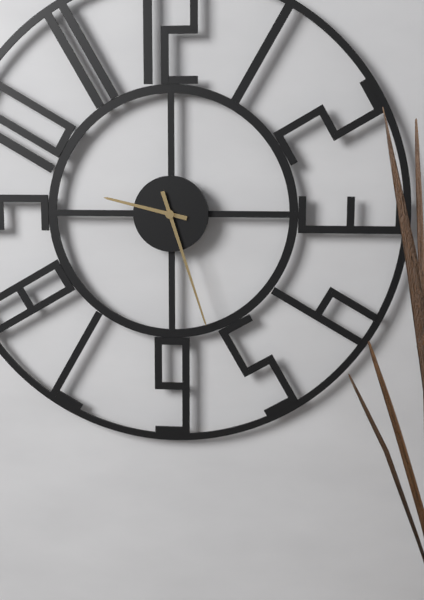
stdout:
9:27
